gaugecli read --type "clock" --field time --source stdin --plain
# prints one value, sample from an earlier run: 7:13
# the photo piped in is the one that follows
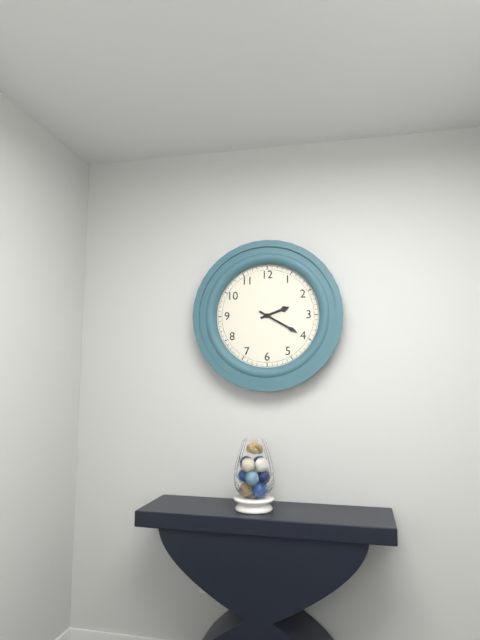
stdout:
2:20
